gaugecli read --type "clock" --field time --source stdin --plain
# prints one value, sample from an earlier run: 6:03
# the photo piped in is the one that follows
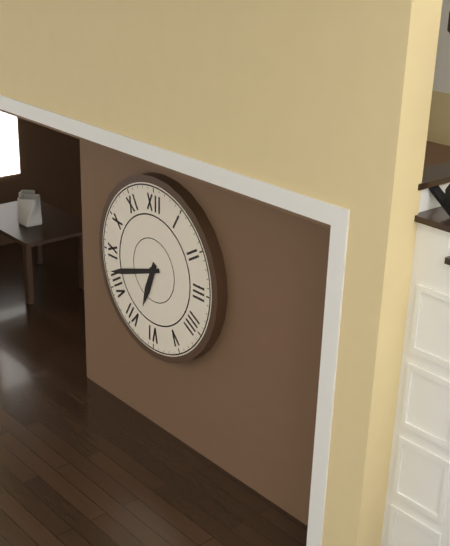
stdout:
6:42
